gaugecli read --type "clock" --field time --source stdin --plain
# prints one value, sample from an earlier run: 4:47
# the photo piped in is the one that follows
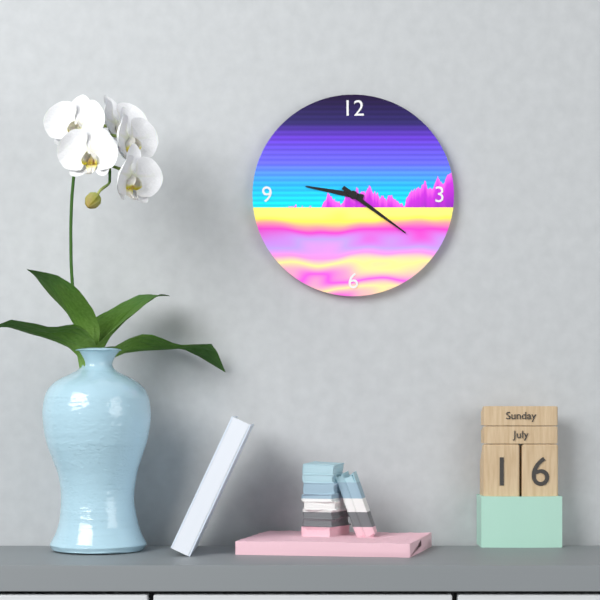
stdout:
9:21
